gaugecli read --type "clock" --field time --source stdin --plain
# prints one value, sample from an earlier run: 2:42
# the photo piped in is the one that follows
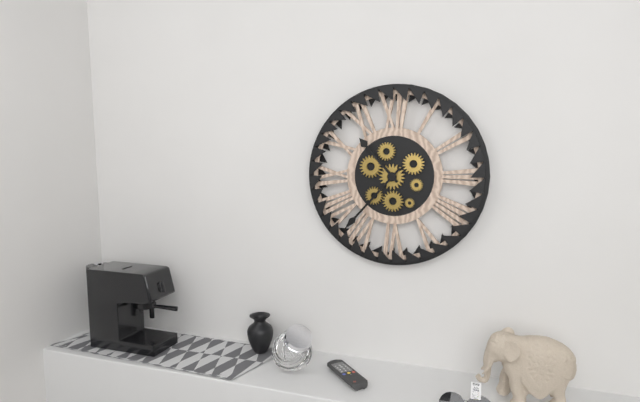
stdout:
10:37
